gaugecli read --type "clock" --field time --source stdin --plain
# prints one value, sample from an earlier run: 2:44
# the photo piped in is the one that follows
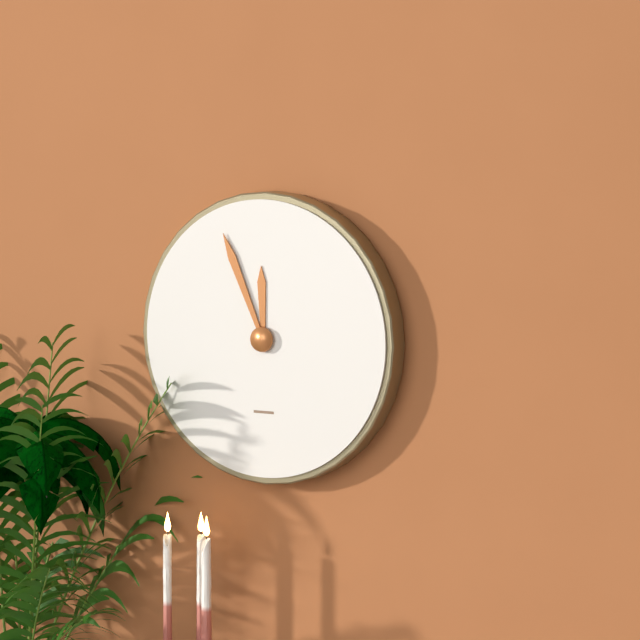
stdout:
11:56
